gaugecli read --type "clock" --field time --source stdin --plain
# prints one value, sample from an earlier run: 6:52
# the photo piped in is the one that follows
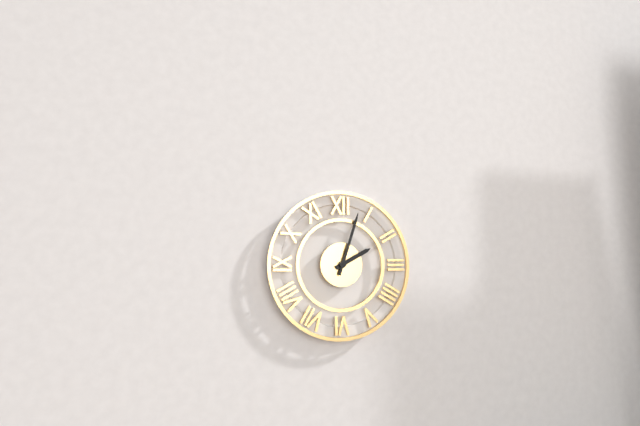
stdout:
2:03
